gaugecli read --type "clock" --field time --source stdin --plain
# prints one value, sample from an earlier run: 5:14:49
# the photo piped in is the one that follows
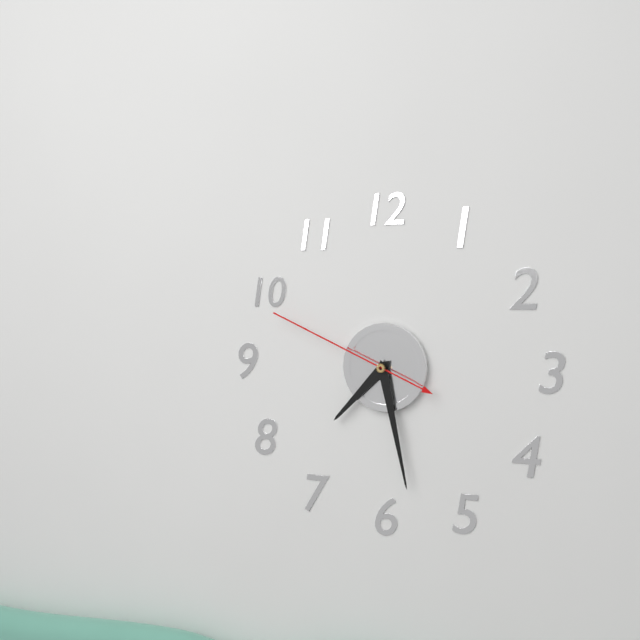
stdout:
7:28:49
